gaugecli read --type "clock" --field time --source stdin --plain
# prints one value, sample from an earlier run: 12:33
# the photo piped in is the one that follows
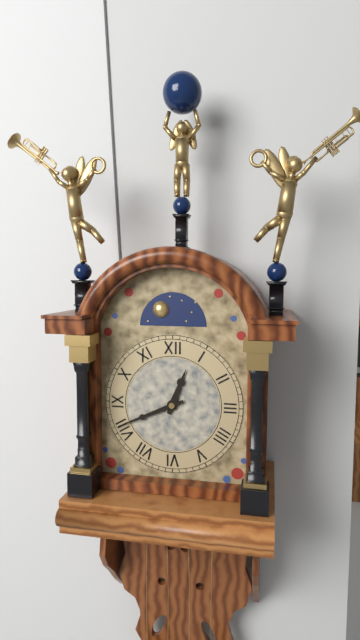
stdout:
12:41
